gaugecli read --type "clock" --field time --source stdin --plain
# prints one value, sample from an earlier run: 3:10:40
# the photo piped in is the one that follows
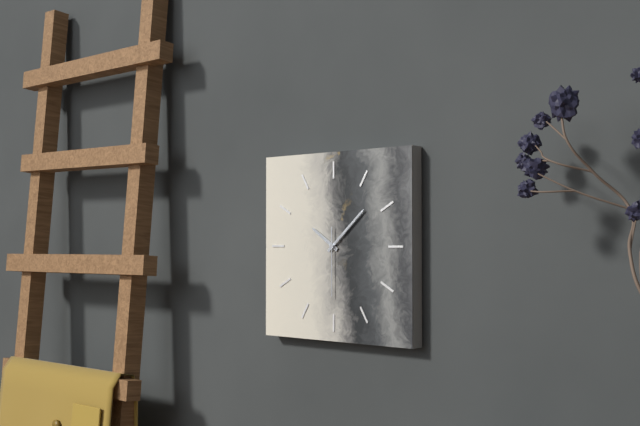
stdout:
10:08:30
